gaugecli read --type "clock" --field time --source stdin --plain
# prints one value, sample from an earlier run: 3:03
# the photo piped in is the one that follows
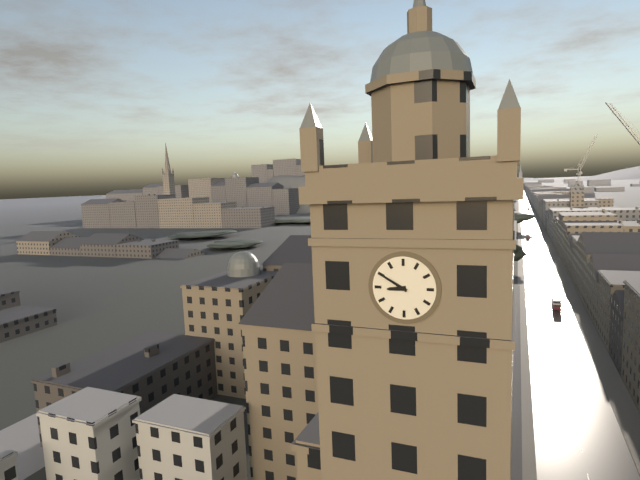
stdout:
8:50
